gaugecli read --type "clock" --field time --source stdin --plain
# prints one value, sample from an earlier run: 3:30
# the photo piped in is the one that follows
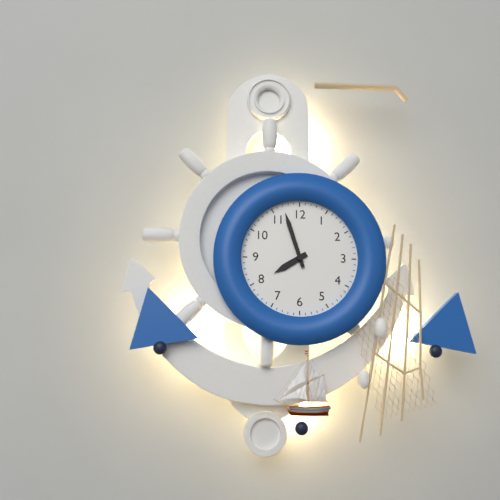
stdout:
7:57
